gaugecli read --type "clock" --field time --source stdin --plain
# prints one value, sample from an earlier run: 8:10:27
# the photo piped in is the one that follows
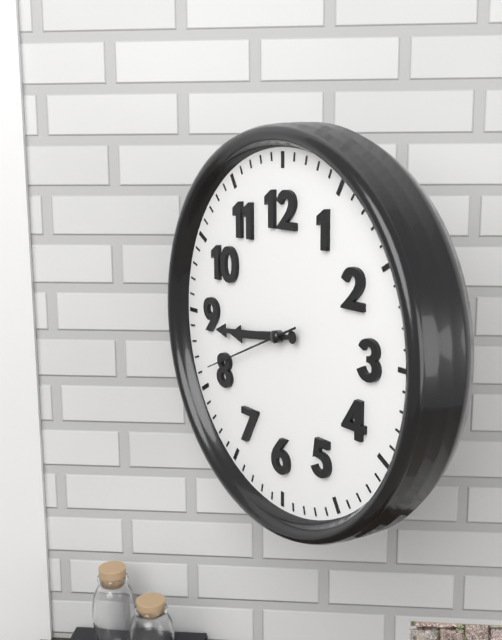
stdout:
8:44:41
